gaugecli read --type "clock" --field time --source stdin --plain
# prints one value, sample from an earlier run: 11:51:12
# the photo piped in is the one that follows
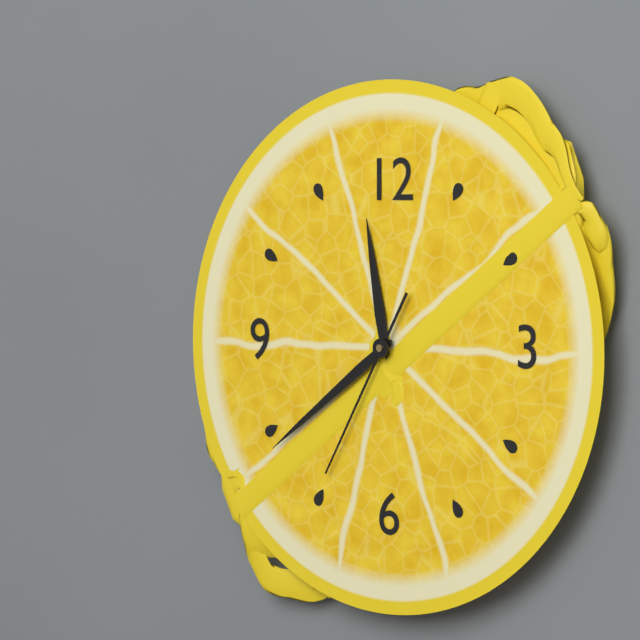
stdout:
11:39:35
